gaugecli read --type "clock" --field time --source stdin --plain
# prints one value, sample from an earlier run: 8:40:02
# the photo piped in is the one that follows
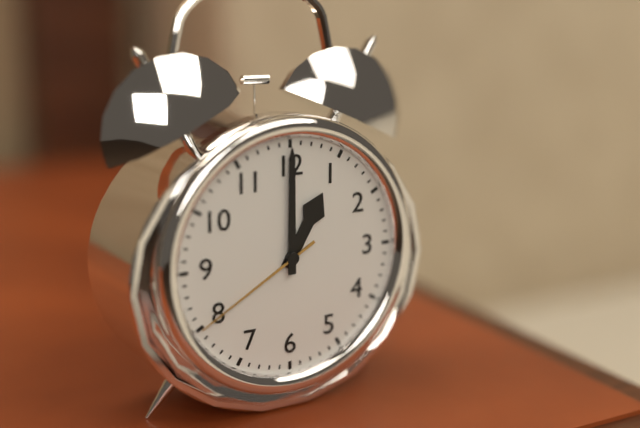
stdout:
1:00:40
